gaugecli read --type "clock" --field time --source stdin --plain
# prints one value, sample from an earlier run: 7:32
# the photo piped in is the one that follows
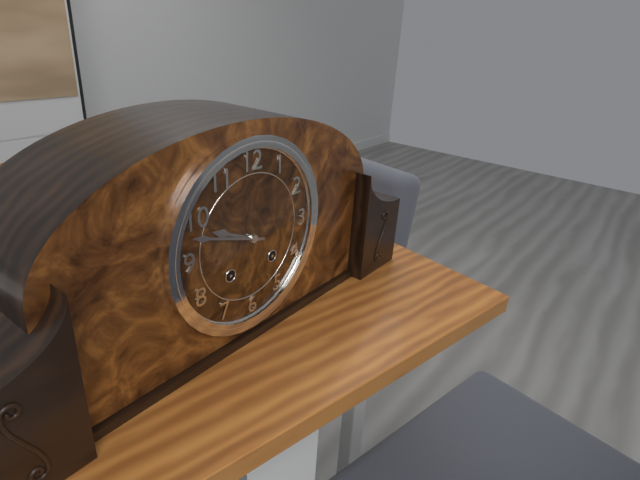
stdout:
9:48
